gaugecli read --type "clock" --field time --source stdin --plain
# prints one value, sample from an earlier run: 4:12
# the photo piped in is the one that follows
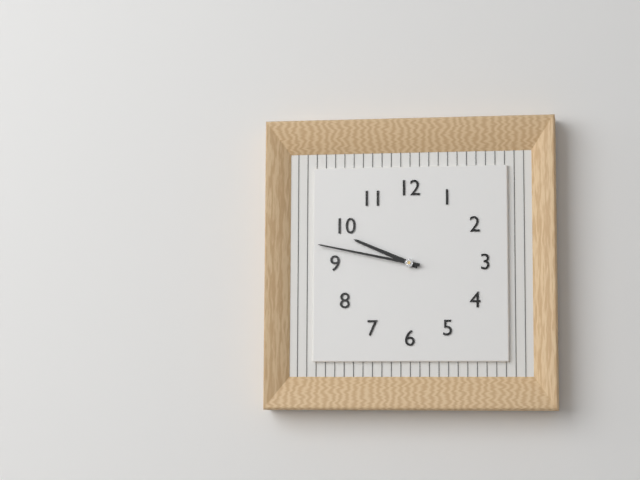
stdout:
9:47
